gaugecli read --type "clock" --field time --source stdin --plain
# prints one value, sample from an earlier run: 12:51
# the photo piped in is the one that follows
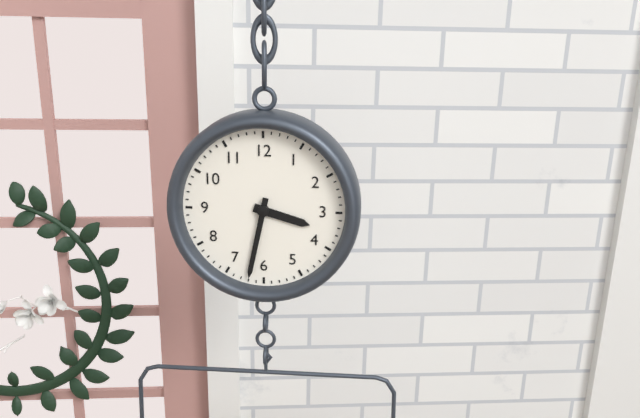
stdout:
3:32
